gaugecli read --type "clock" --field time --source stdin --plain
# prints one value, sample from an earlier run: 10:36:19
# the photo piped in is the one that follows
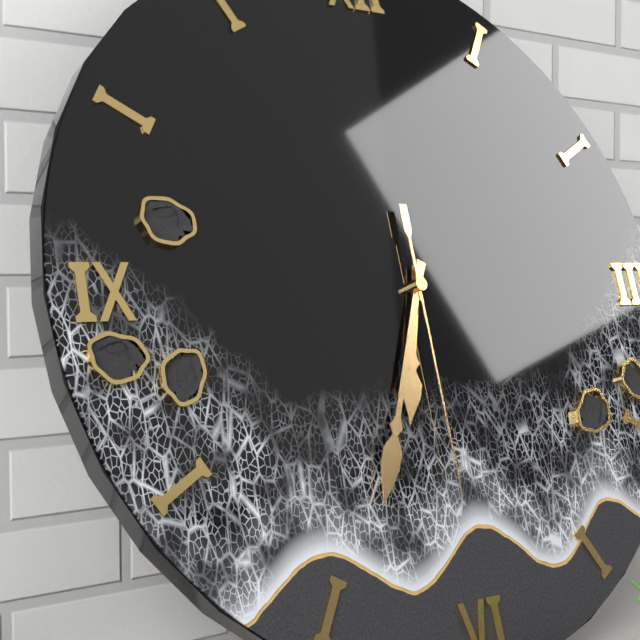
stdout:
6:34:30
